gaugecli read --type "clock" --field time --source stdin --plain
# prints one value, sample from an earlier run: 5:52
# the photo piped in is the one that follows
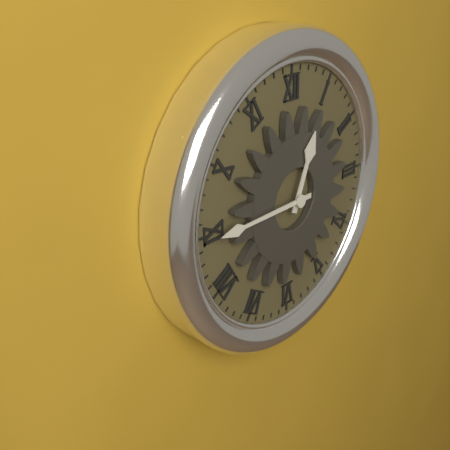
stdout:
12:45
